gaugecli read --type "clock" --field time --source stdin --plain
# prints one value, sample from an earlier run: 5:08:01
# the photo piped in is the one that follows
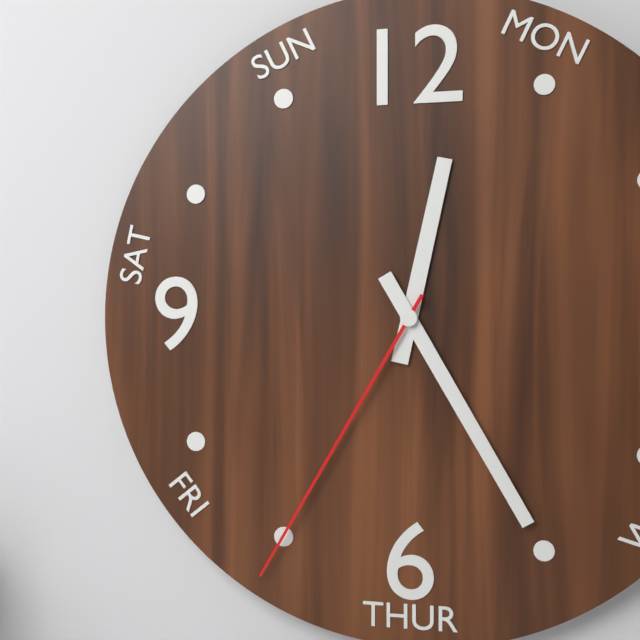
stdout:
12:25:35
